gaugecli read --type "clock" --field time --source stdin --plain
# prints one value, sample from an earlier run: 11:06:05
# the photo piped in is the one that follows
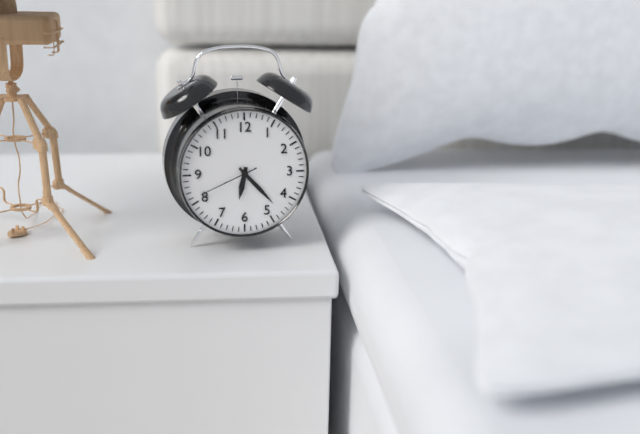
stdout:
6:23:41
